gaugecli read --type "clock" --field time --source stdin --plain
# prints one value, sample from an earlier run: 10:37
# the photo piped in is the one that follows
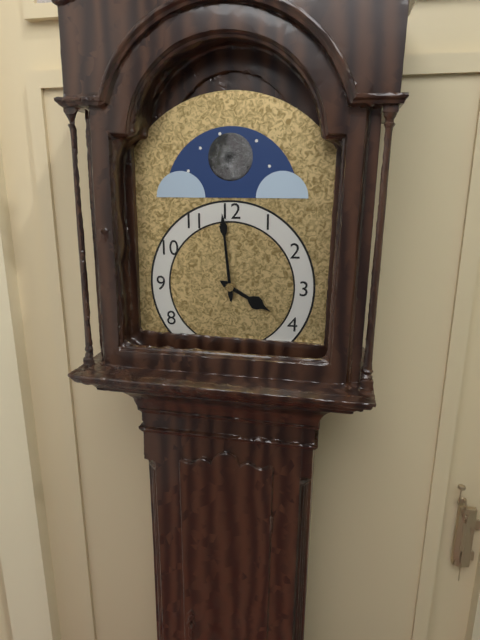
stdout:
3:59
